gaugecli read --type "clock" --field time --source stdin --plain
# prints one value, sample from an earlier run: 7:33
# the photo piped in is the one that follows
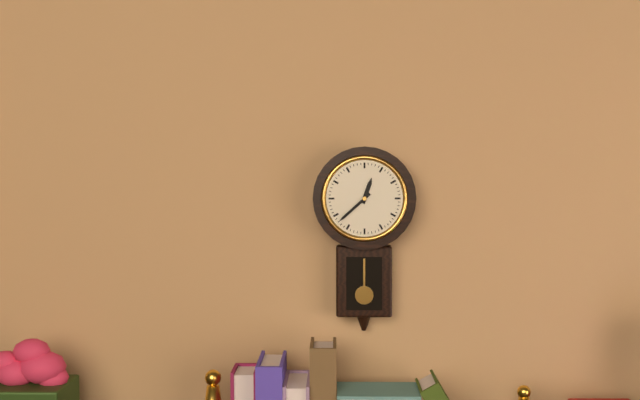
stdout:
12:38
